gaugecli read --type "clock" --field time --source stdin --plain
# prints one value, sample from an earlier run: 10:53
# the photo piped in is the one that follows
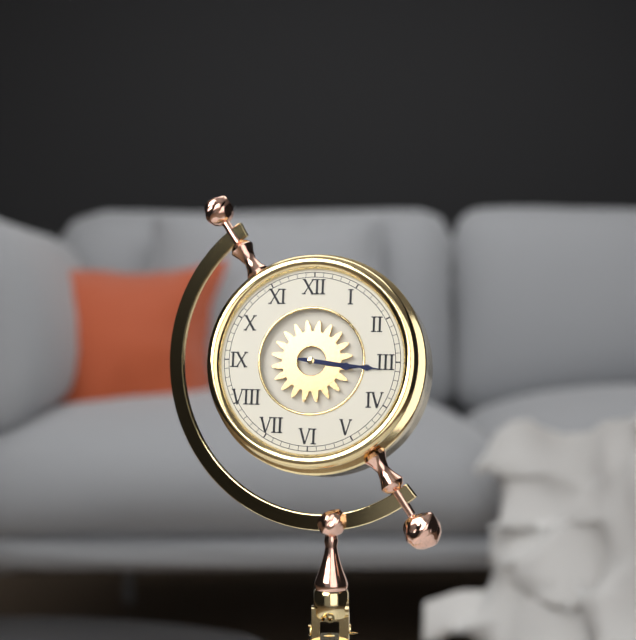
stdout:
3:16
